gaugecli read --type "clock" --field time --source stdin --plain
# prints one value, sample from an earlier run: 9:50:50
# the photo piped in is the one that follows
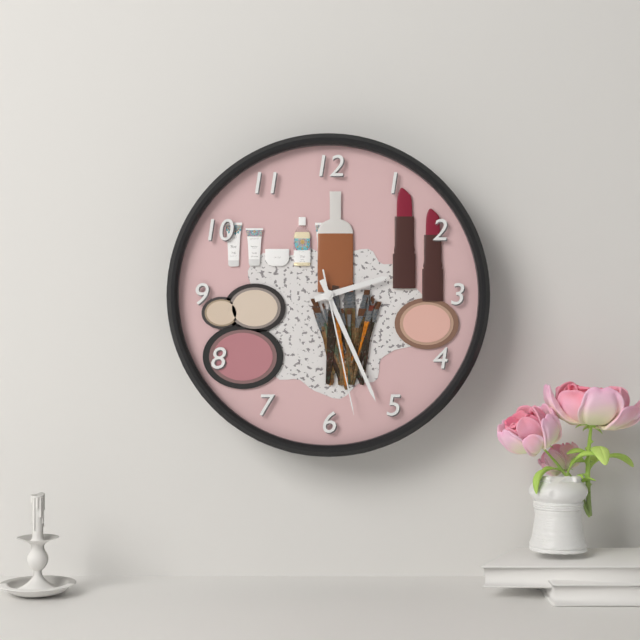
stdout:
2:26:28
